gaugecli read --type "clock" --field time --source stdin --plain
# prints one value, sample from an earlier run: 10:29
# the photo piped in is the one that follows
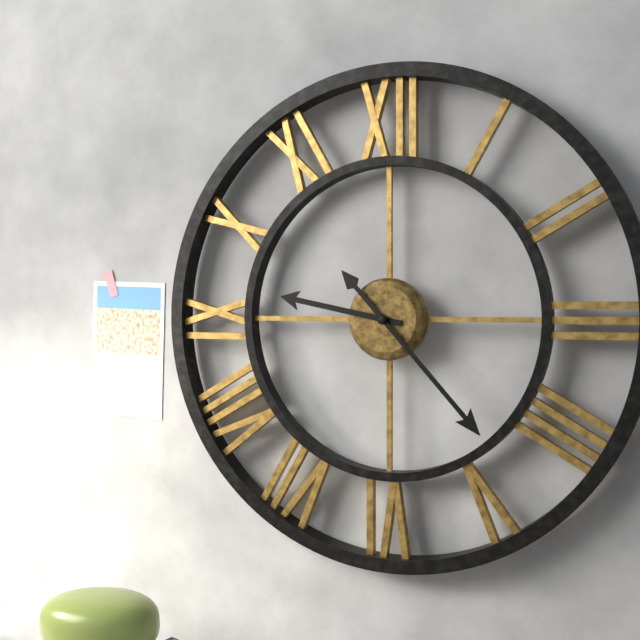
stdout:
9:23
